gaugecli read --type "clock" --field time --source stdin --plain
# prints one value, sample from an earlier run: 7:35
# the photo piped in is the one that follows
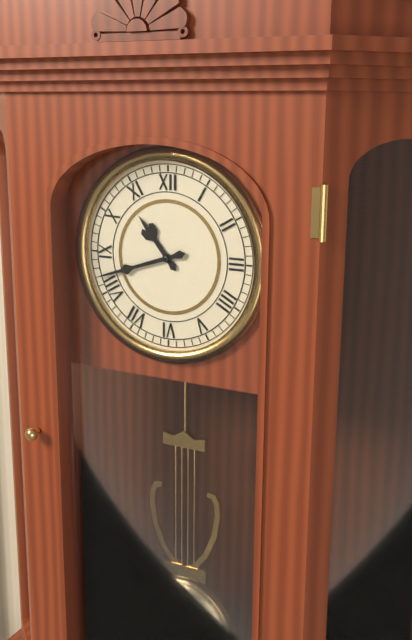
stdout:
10:42
